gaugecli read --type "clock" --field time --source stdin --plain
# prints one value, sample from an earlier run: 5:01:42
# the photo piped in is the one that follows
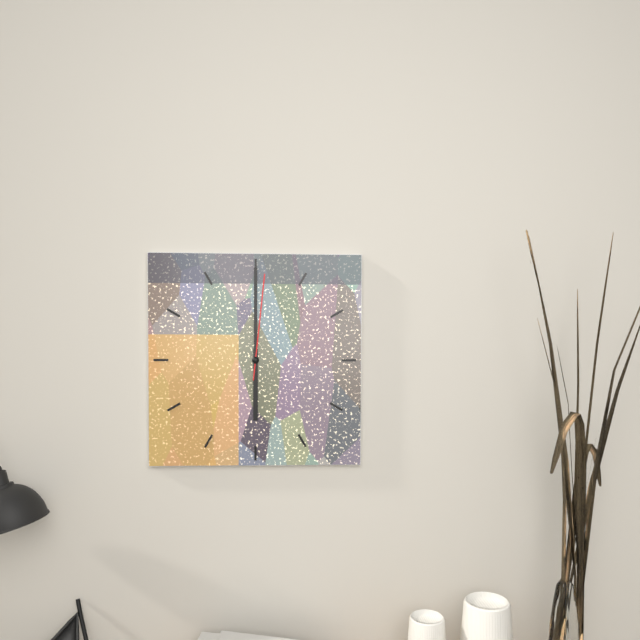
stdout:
6:00:01
